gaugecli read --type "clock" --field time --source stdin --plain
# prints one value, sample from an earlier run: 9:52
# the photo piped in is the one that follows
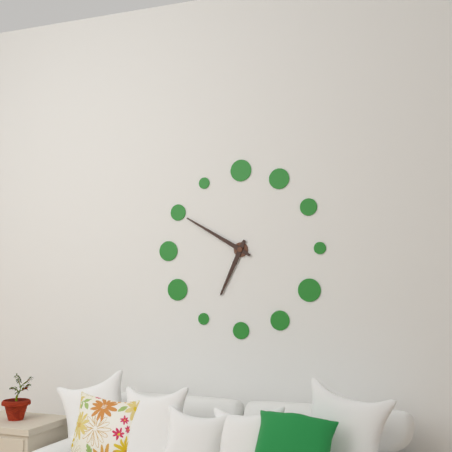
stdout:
6:50
